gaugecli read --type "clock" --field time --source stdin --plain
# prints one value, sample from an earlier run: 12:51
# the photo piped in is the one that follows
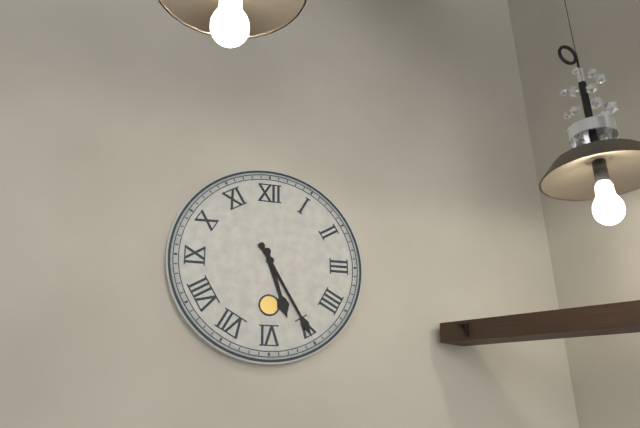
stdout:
5:25
